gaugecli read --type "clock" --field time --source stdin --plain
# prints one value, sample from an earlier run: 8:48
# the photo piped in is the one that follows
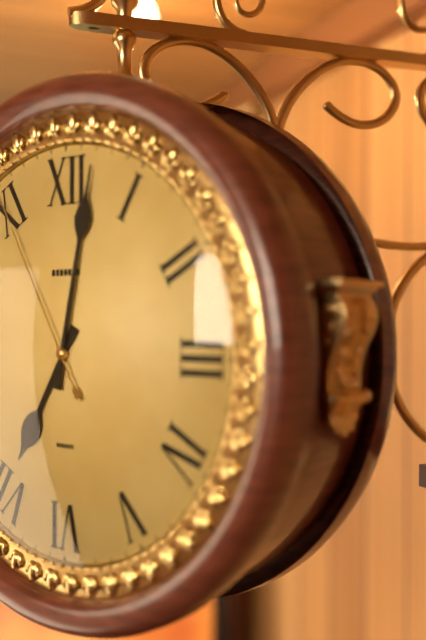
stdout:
7:02
